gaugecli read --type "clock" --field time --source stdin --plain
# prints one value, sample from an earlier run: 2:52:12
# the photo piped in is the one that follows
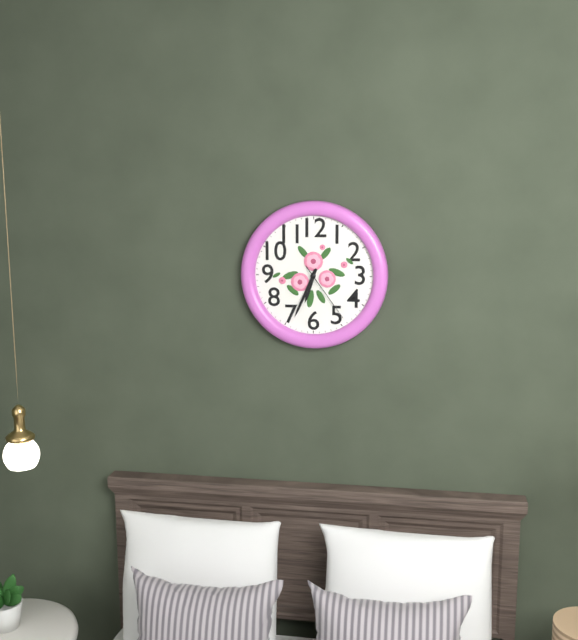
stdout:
6:34:24
